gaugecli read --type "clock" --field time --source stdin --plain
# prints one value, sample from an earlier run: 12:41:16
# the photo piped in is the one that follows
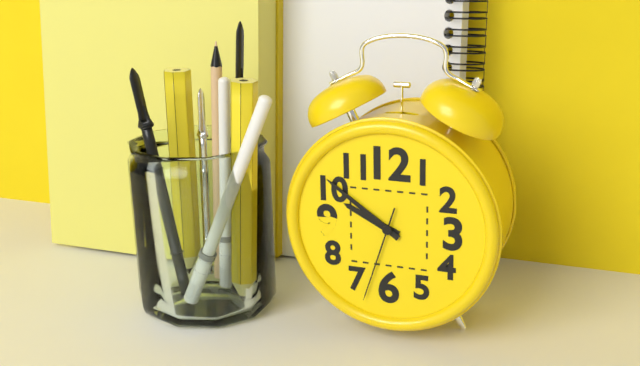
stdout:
9:51:33
